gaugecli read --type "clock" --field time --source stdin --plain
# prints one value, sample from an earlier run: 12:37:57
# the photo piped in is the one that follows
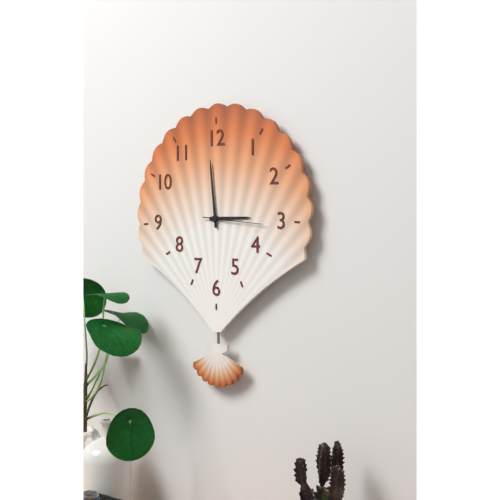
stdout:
2:59:16
